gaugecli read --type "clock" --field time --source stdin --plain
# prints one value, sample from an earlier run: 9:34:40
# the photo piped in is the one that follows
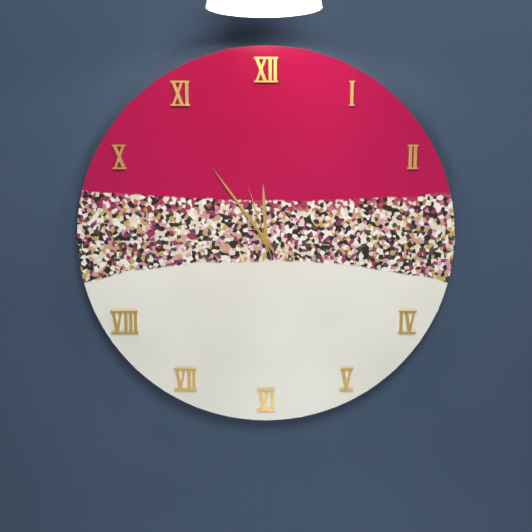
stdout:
11:54:57
